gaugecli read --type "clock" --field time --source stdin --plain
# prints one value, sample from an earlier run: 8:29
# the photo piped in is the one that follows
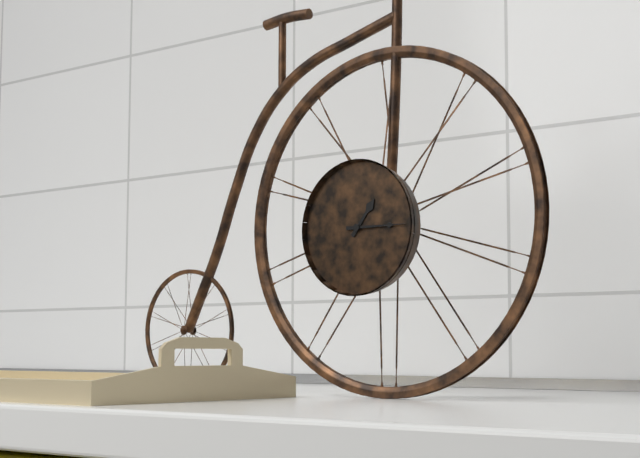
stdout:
1:15
